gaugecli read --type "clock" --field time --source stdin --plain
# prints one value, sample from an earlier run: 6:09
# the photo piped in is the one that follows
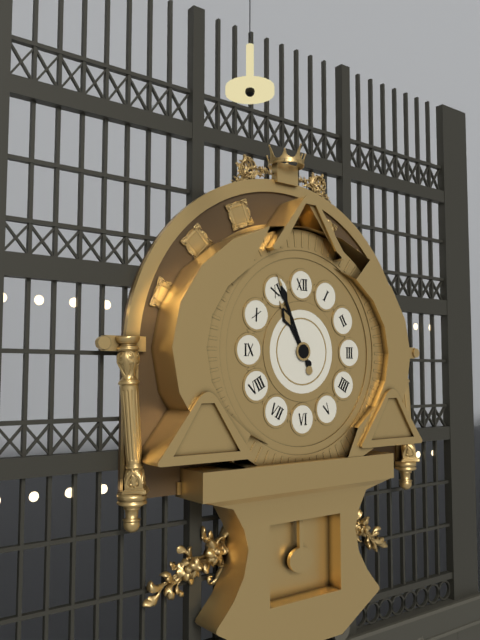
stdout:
10:56
